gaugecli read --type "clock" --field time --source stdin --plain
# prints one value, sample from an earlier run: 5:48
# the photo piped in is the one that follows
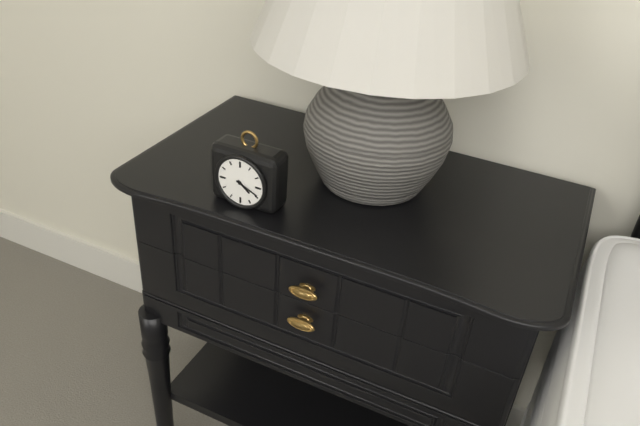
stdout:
4:19
